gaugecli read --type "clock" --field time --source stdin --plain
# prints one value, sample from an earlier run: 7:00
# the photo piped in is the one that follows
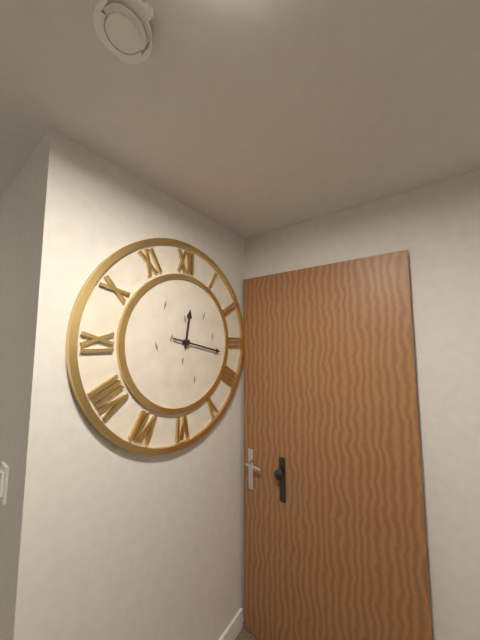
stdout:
12:17
